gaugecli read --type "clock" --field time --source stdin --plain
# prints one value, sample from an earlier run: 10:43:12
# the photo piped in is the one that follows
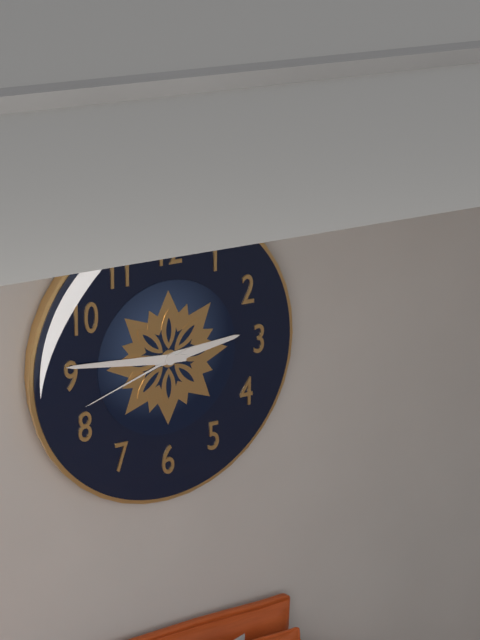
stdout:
2:46:42
